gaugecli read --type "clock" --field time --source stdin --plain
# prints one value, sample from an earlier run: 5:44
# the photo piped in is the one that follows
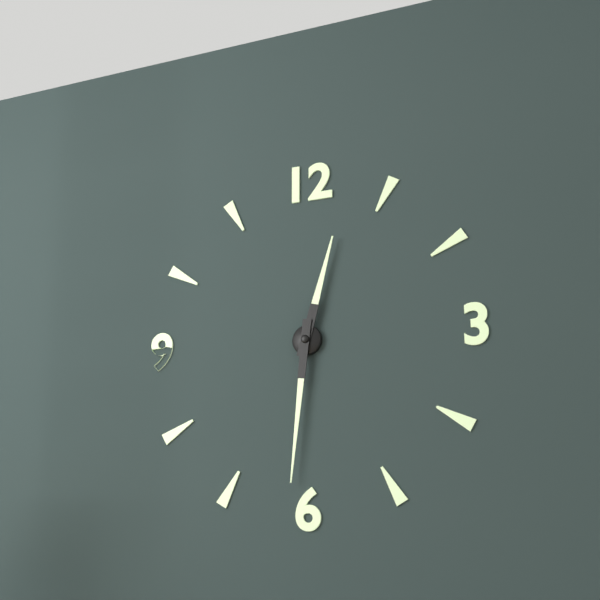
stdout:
12:31
